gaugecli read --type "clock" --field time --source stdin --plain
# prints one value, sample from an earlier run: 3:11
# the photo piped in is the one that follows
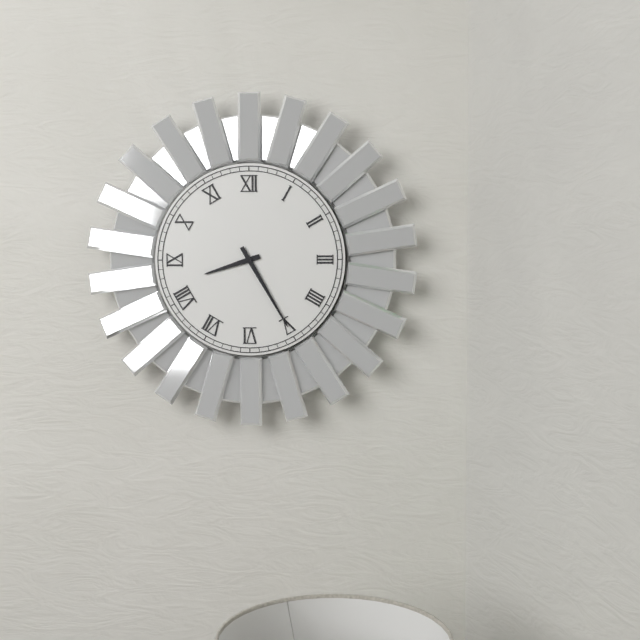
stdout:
8:25
